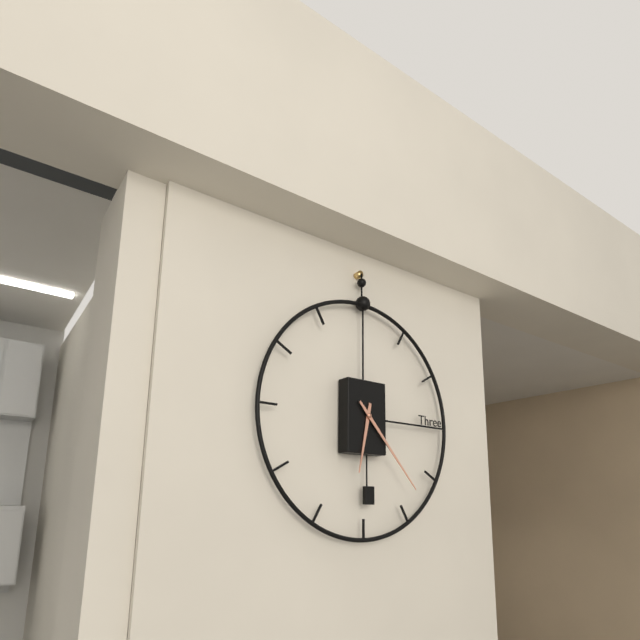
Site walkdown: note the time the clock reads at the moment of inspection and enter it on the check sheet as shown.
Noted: 6:23
